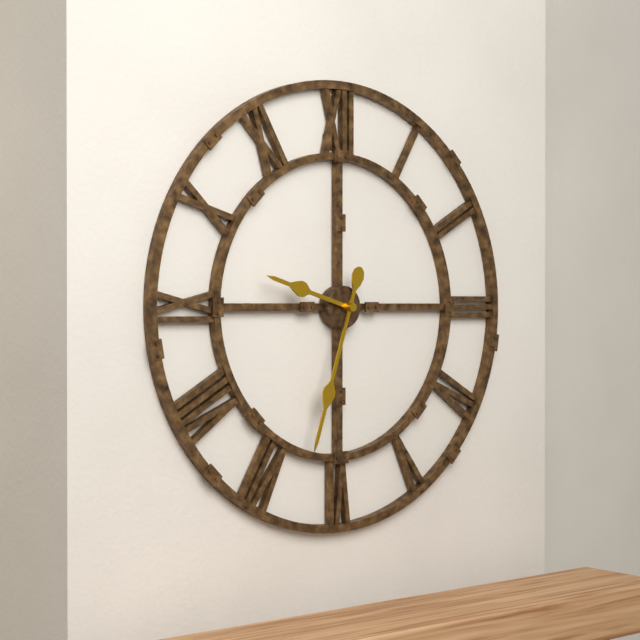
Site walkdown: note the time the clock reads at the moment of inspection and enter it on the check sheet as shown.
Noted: 9:33
